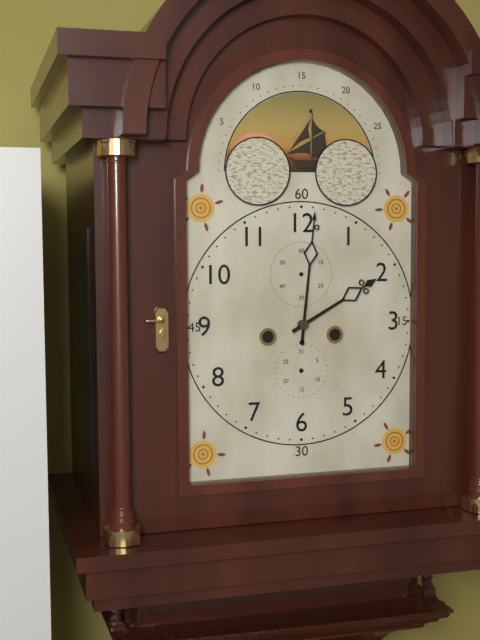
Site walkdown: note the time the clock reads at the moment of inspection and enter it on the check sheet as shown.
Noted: 2:01
